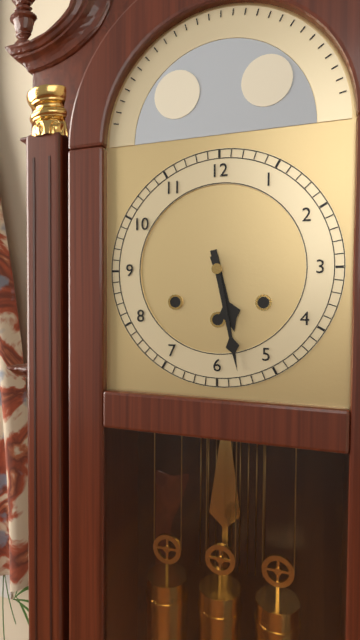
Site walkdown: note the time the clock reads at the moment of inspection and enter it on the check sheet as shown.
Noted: 5:28
